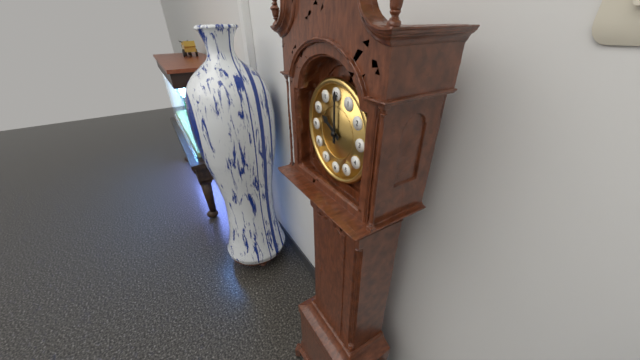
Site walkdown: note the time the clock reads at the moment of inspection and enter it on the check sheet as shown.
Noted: 10:00
